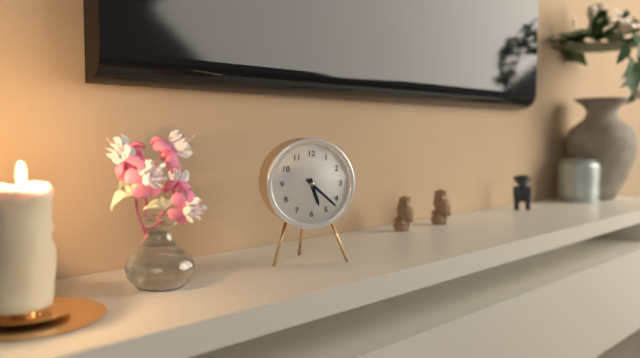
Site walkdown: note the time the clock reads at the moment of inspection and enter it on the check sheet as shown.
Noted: 5:22
